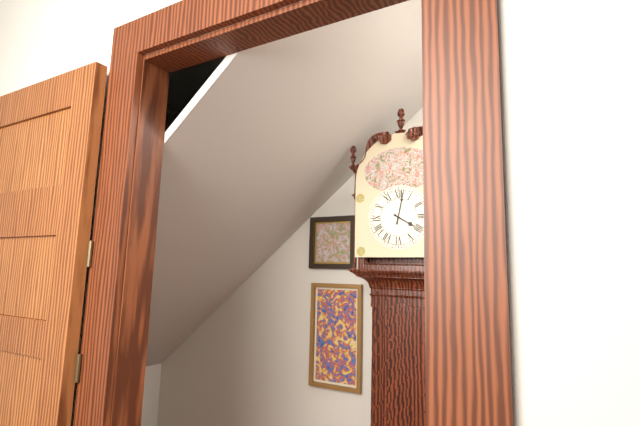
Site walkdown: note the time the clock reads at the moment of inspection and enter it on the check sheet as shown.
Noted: 4:02
